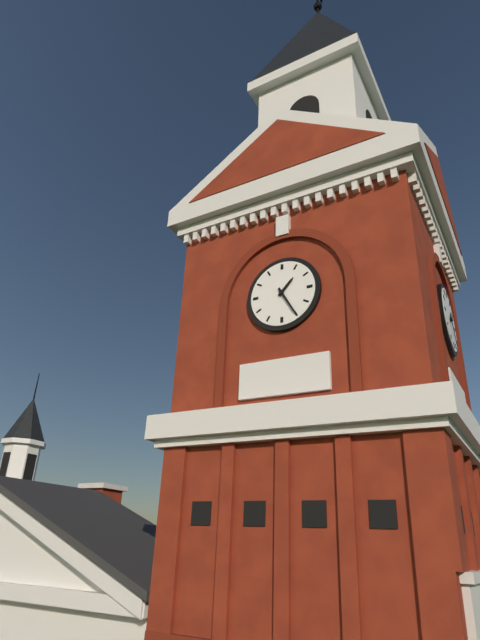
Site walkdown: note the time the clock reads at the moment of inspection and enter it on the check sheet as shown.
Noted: 1:25
